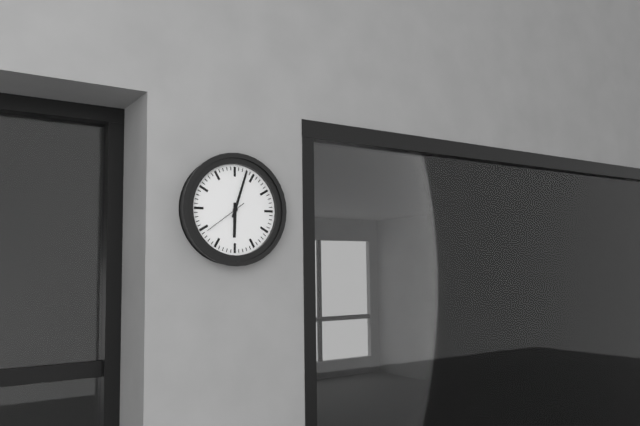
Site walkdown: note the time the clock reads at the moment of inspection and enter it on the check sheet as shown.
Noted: 6:03
